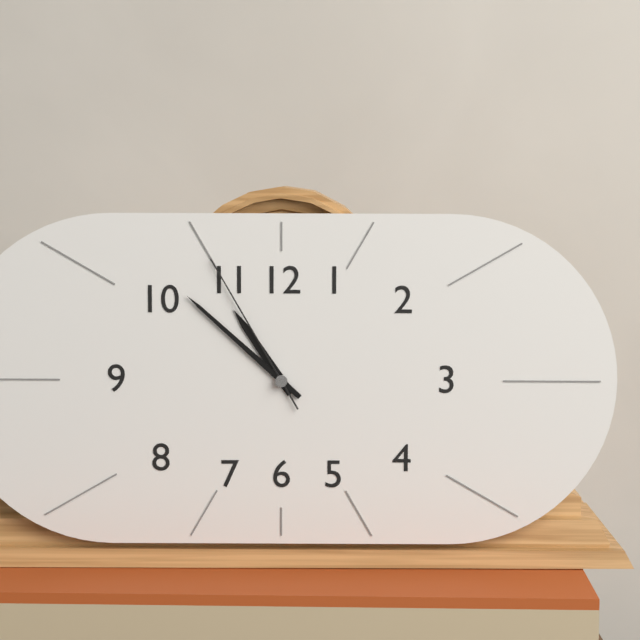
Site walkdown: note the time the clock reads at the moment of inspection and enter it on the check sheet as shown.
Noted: 10:52:55
